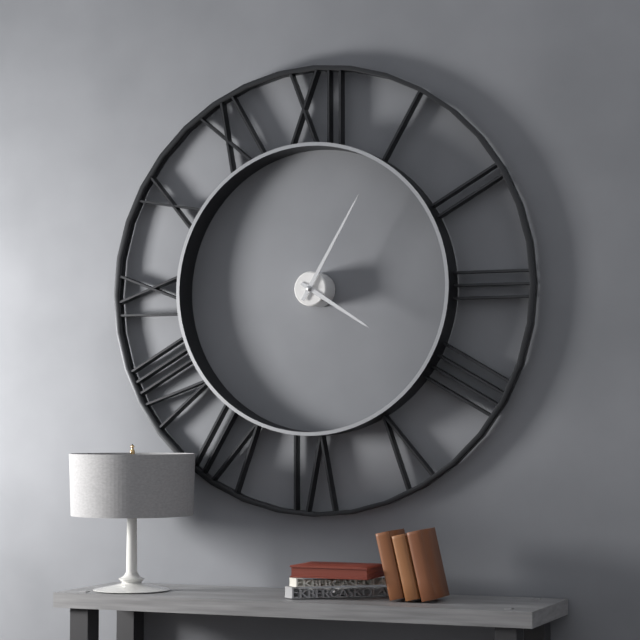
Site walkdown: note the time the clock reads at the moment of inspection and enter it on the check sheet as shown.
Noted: 4:05
